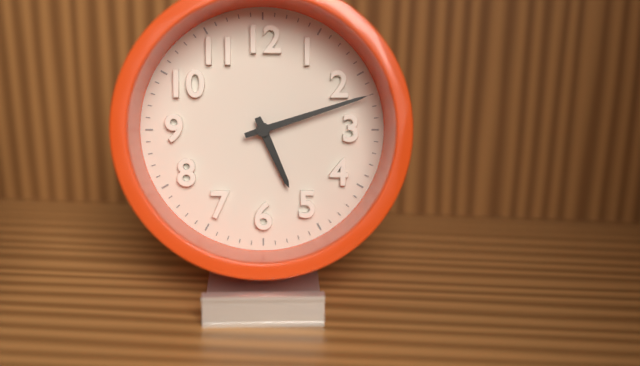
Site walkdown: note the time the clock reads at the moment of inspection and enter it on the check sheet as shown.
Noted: 5:12
